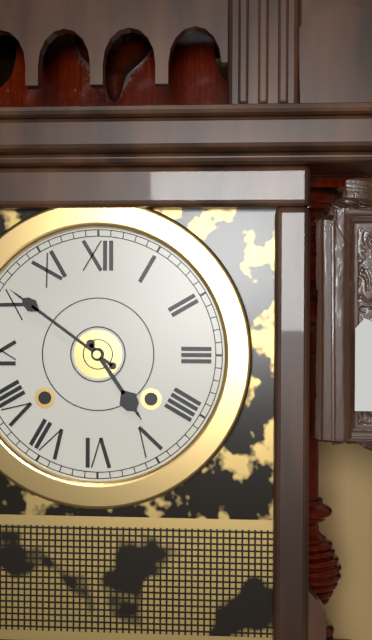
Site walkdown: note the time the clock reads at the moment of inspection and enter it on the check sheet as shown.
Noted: 4:51
